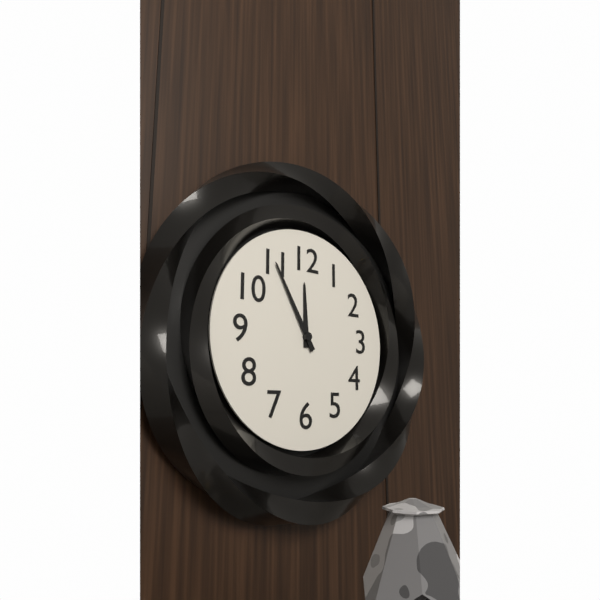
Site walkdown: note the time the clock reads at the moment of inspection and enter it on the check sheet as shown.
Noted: 11:55
